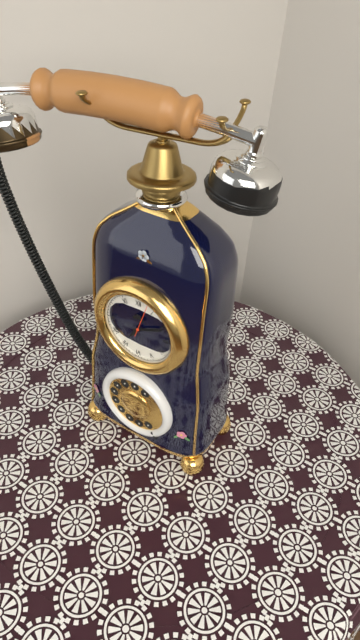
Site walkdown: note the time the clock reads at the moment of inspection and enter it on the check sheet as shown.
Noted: 7:11
